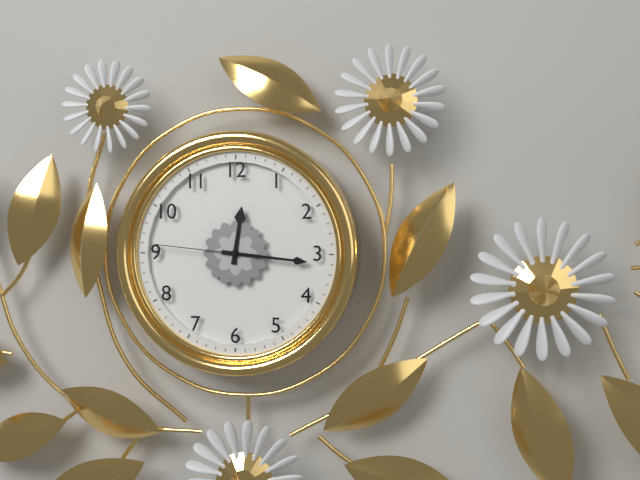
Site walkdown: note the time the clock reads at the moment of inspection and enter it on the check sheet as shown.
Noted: 12:16:46
